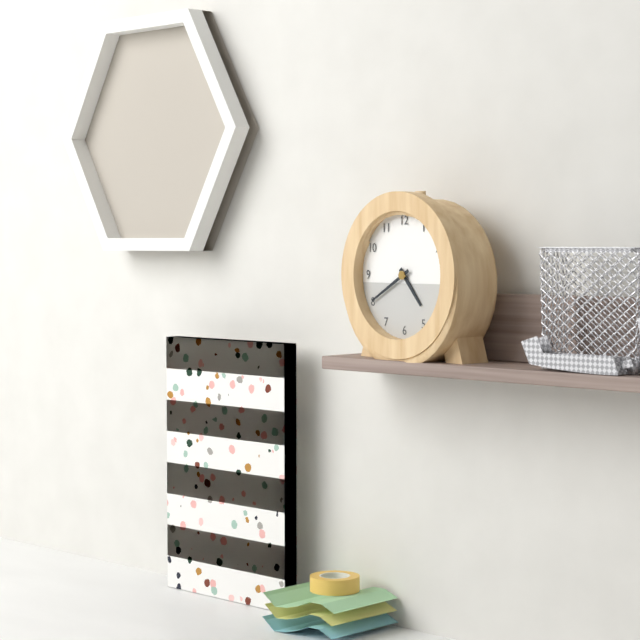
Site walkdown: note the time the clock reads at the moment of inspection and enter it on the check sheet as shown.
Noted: 4:40
